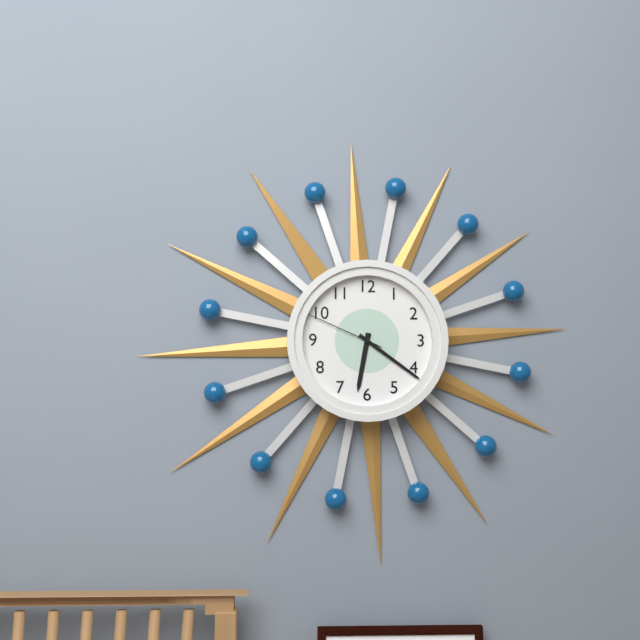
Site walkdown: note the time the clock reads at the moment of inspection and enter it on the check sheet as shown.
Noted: 6:21:49
